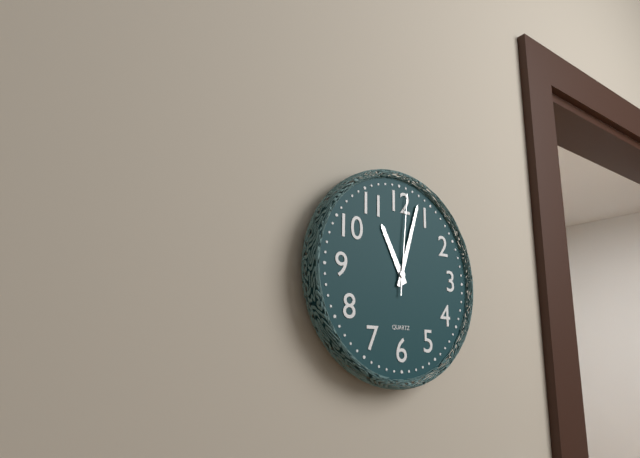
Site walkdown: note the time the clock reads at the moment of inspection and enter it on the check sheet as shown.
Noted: 11:03:01
